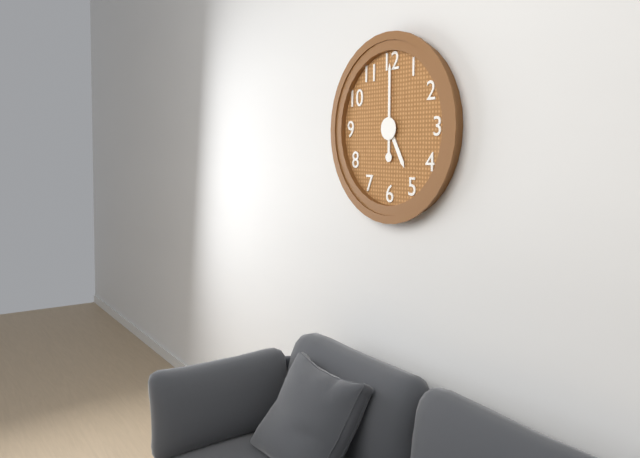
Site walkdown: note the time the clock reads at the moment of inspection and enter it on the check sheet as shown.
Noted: 5:00
